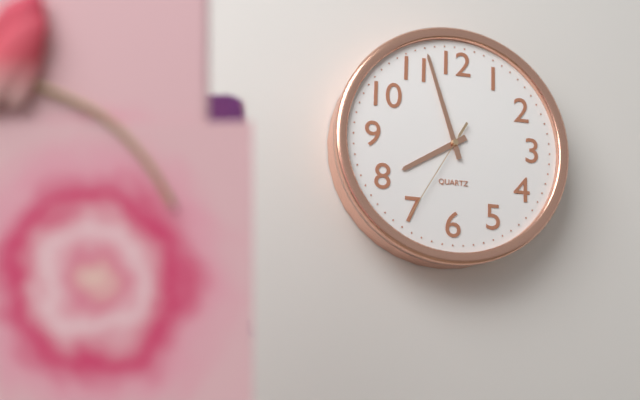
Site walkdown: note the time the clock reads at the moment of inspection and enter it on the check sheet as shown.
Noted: 7:57:35
